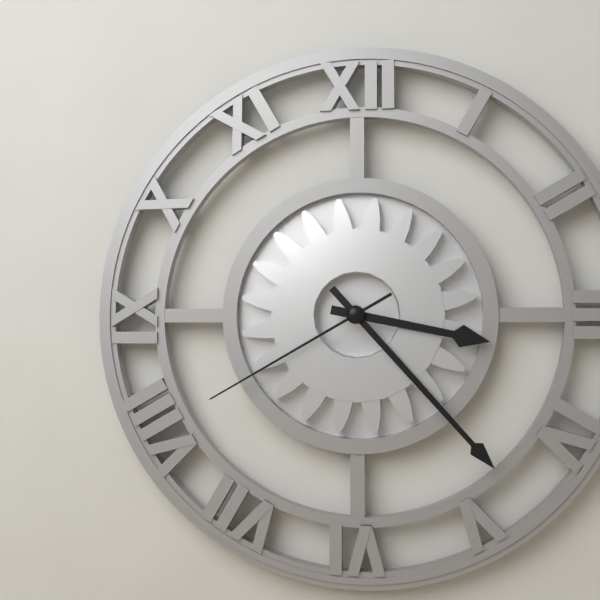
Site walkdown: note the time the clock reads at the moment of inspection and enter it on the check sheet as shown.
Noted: 3:23:40
